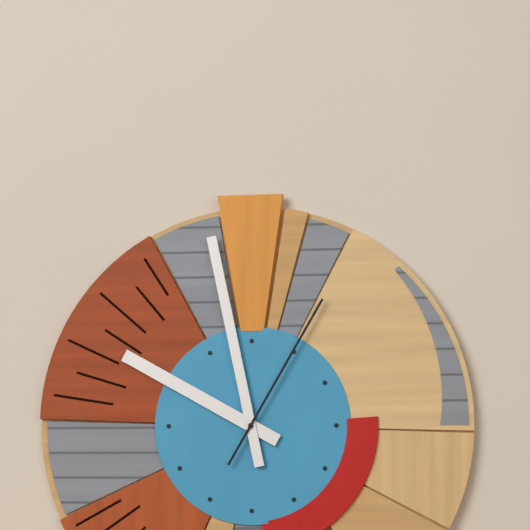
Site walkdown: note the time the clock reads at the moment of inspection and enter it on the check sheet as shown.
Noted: 9:58:05
